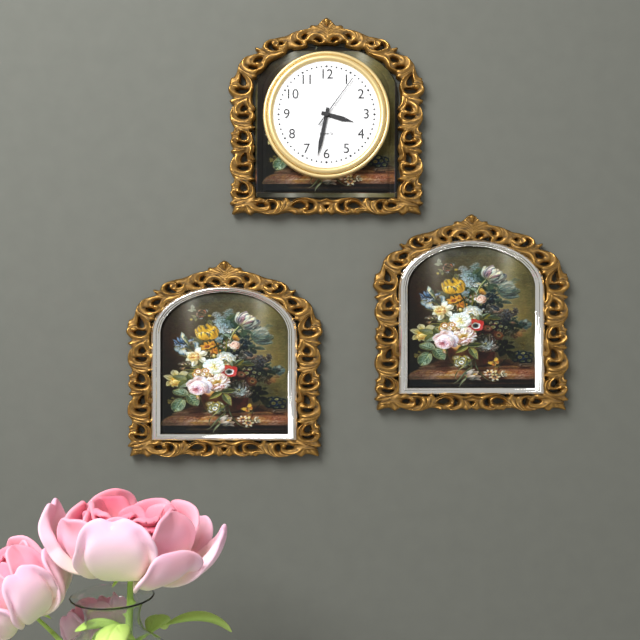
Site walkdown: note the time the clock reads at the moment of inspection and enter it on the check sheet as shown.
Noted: 3:32:06
